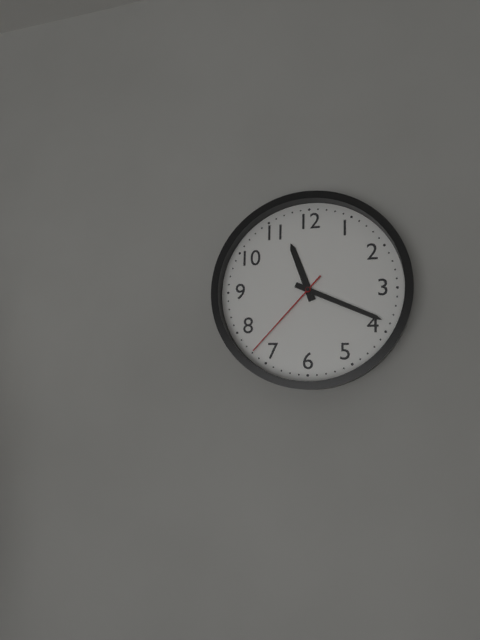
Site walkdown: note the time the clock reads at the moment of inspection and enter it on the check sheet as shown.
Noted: 11:19:37
